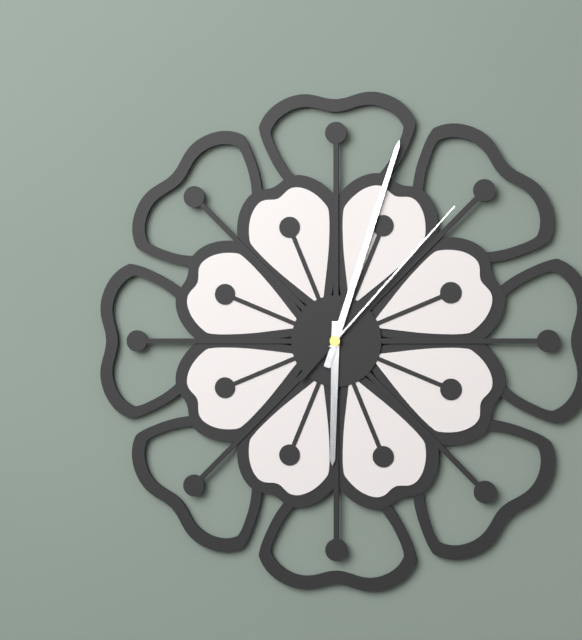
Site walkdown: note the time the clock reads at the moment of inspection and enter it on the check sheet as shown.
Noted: 6:03:07
